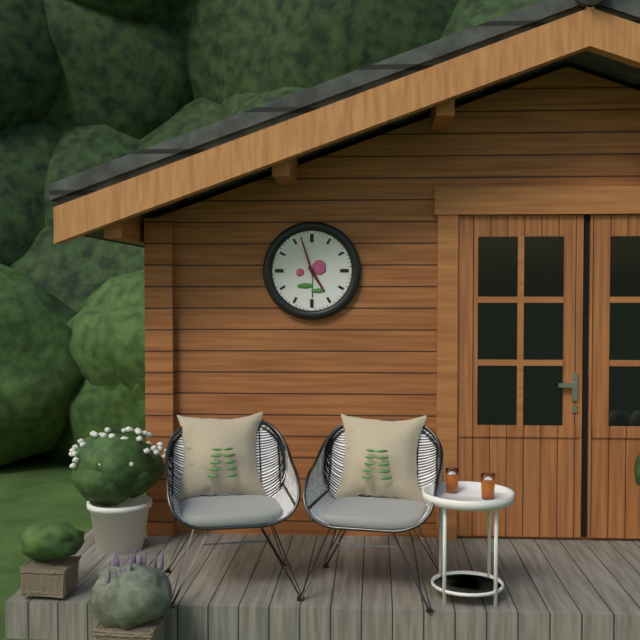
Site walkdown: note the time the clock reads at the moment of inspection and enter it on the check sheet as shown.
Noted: 4:57
